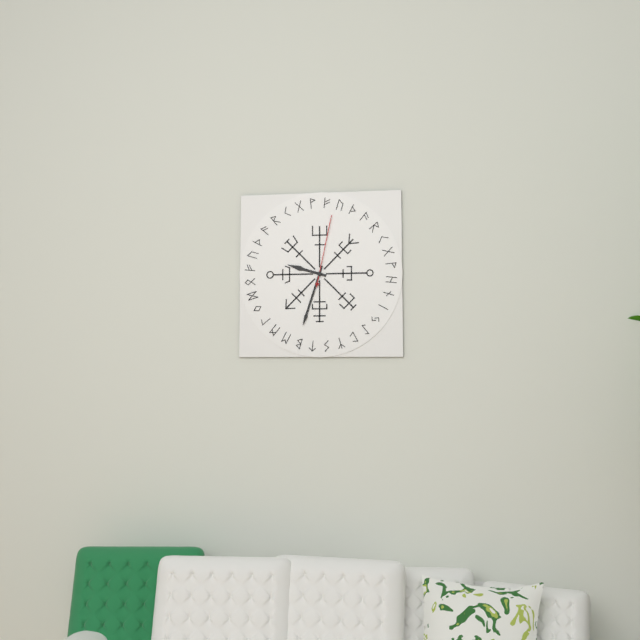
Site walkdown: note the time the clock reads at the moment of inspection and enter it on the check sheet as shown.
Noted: 9:33:02
